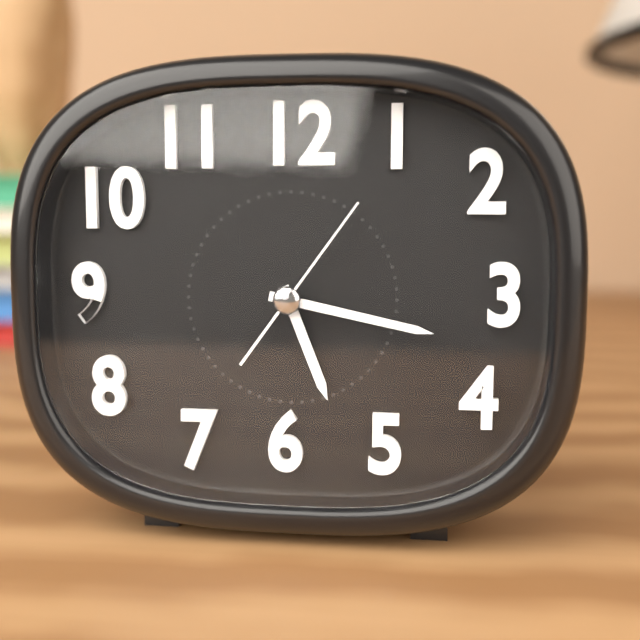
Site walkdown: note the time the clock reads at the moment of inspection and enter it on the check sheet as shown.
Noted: 5:17:06
